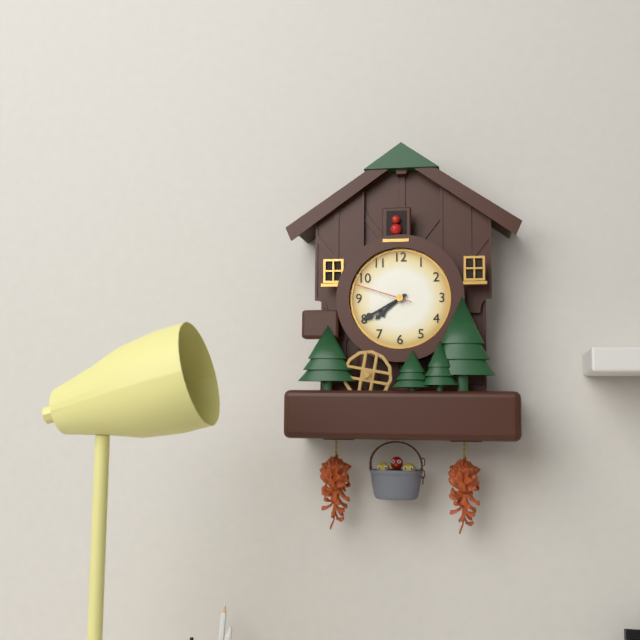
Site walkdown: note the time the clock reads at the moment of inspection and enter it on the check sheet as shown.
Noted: 7:40:48
